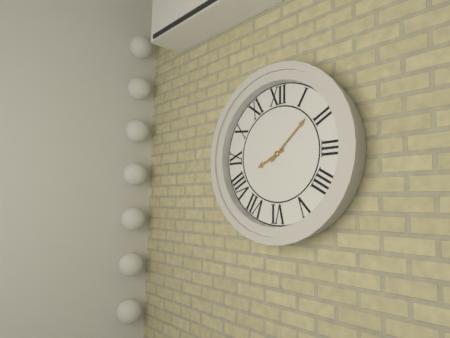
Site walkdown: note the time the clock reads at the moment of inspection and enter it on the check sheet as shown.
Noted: 8:08
